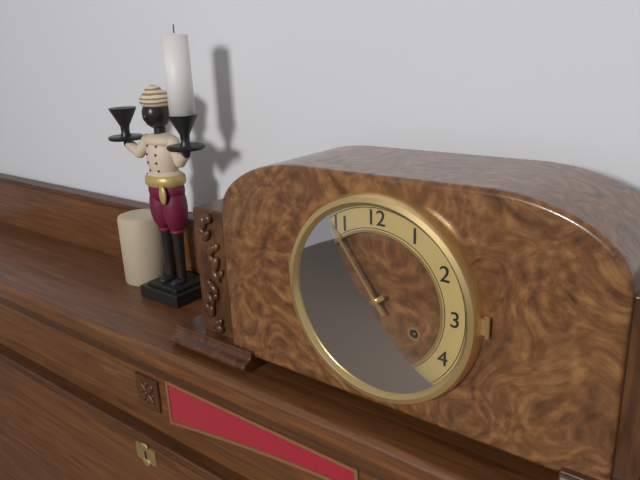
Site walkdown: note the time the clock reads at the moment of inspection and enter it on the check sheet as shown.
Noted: 7:54
